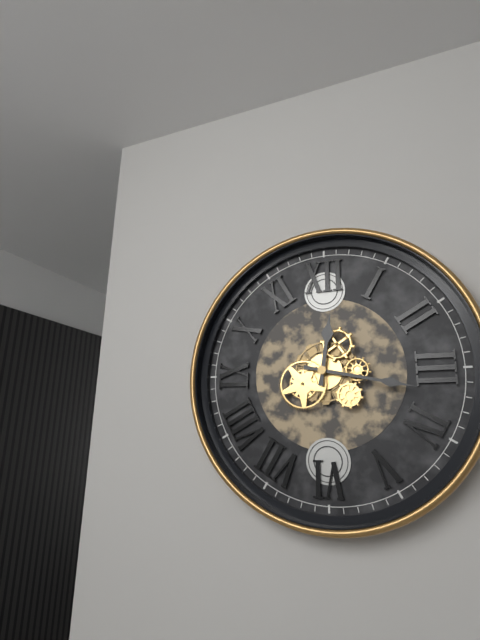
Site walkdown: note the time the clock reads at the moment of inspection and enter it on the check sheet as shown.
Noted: 12:17
